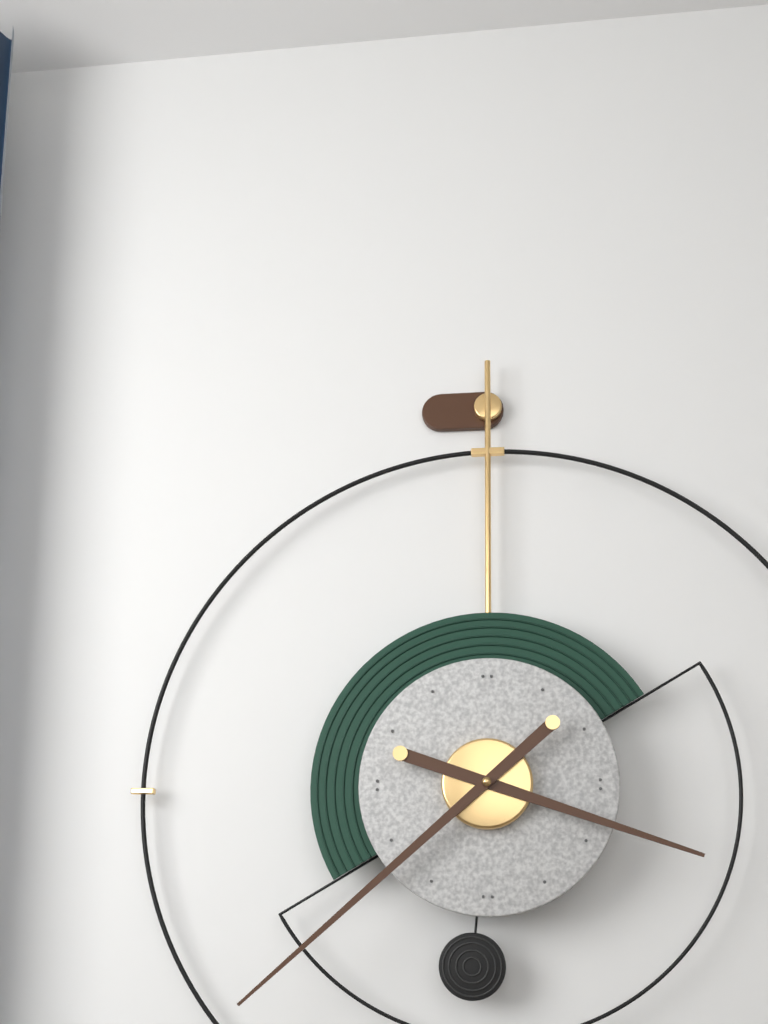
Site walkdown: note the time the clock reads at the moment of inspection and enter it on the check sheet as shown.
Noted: 3:38
